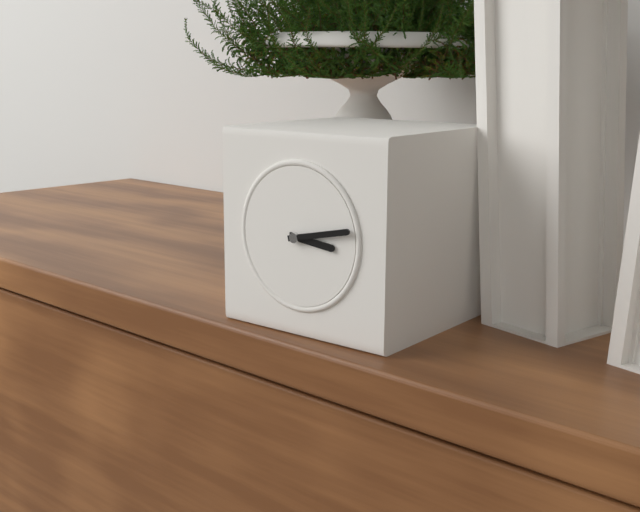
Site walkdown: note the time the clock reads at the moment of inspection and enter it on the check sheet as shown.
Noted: 3:13
